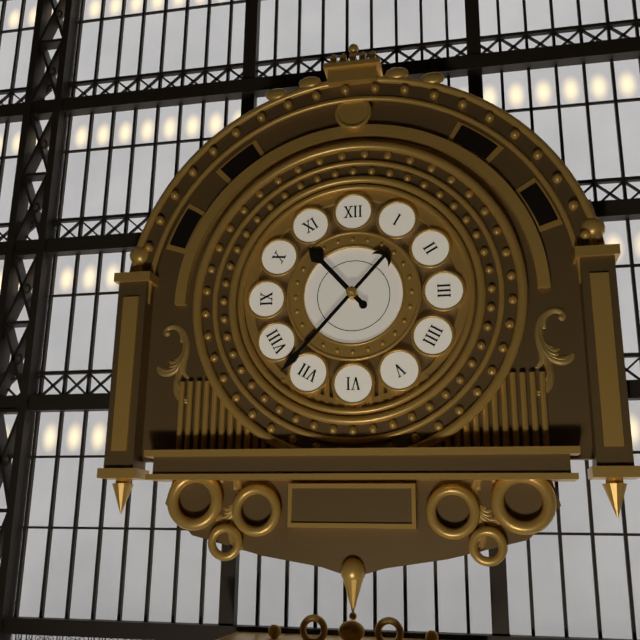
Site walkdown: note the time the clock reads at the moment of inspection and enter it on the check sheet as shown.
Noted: 10:37
